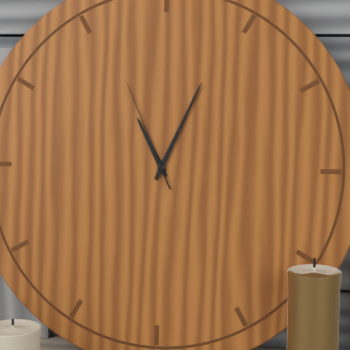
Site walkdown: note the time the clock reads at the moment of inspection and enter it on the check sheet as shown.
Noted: 11:04:56
